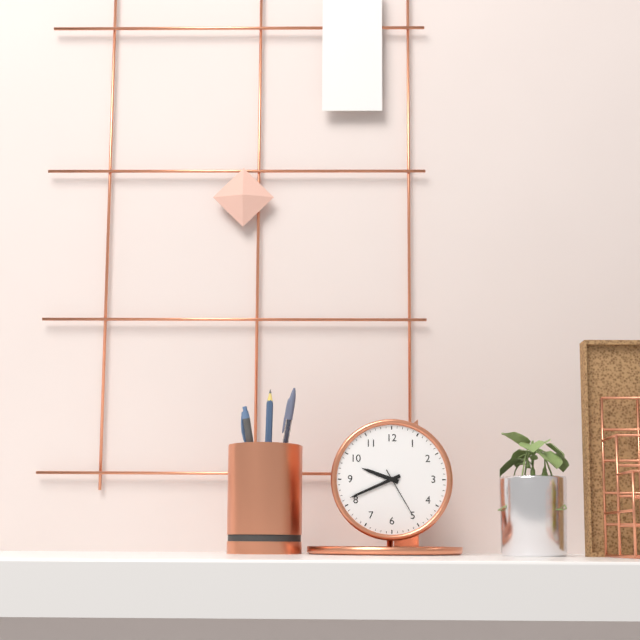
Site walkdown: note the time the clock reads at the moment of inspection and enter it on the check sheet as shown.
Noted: 9:41:25
